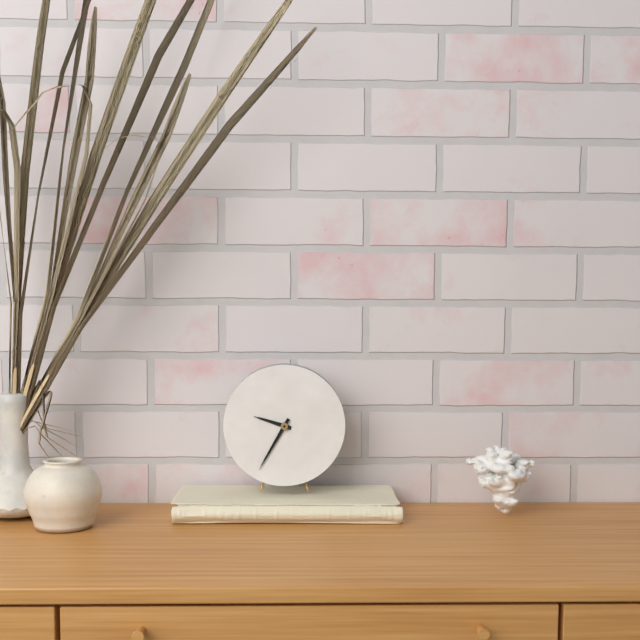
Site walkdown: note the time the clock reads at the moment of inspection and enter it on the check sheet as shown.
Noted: 9:35
